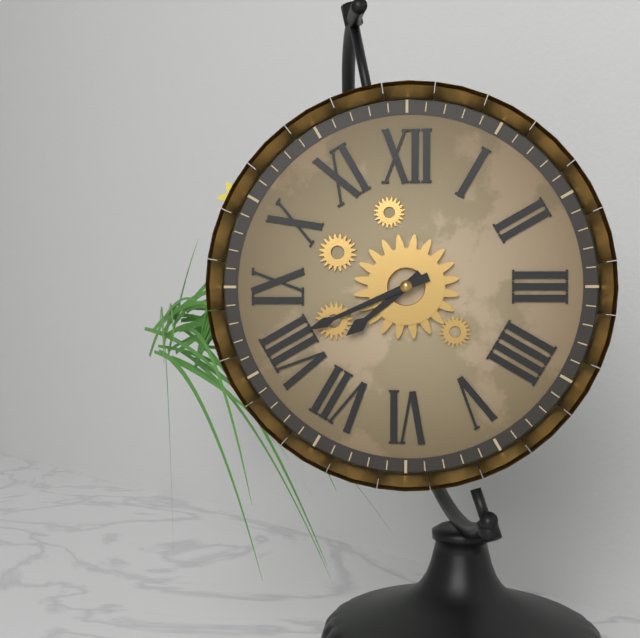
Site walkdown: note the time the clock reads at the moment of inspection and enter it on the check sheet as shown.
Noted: 7:41
